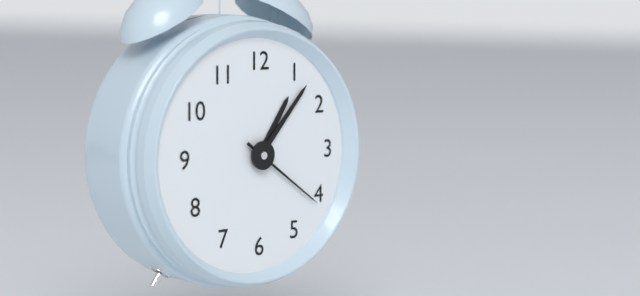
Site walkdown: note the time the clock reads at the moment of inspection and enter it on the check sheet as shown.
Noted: 1:07:21
